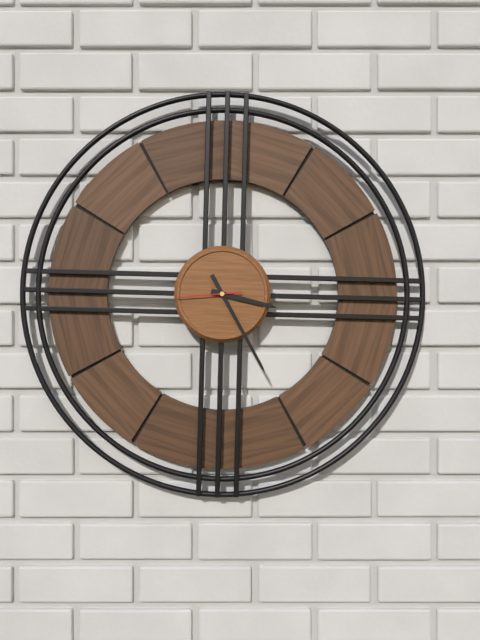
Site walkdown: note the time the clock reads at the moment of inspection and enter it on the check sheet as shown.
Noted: 3:25:44
